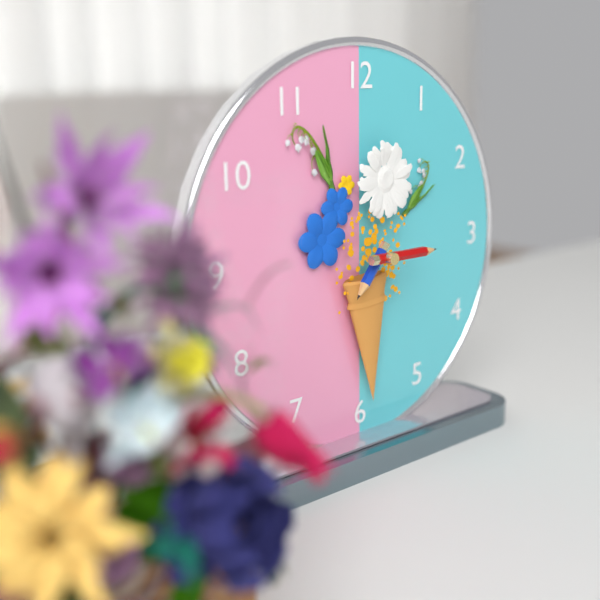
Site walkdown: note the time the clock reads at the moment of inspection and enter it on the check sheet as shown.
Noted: 7:15
